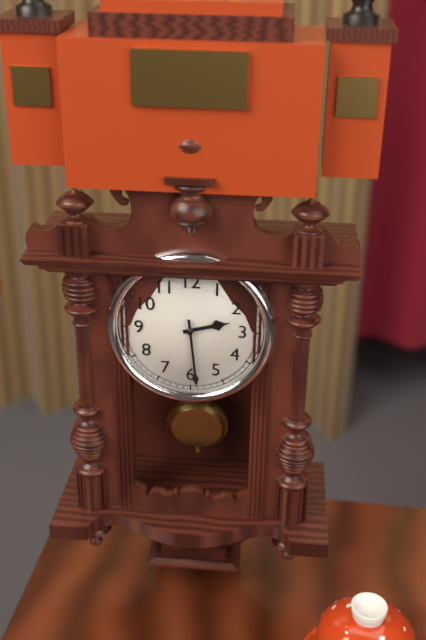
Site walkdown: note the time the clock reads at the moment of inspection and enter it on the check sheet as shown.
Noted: 2:29
